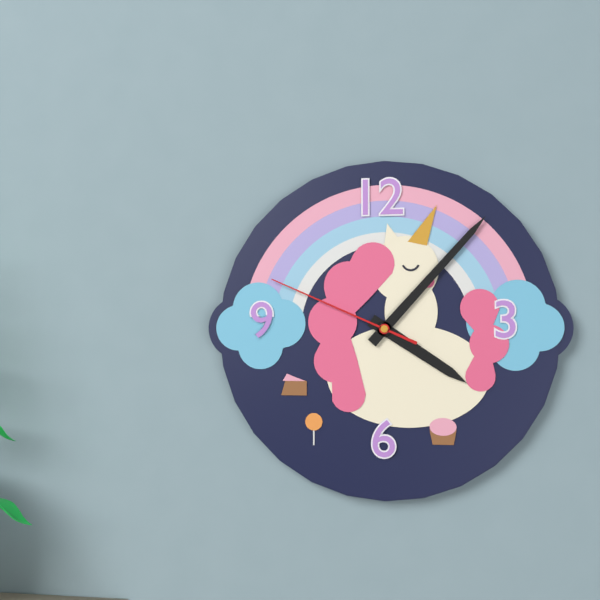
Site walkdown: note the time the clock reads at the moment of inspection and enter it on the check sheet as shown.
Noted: 4:07:49
